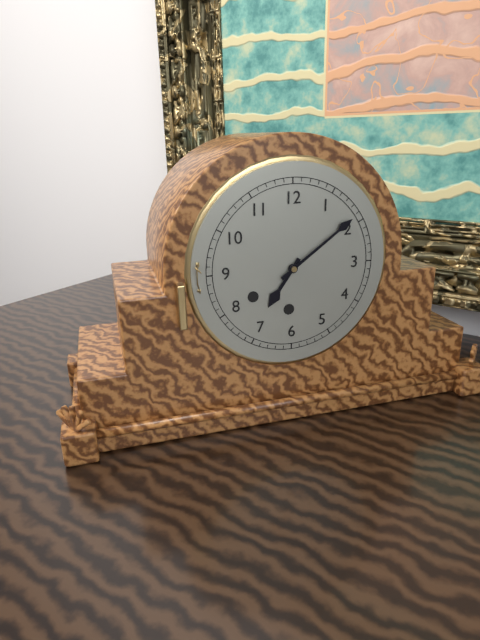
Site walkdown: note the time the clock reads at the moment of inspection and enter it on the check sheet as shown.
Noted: 7:09
